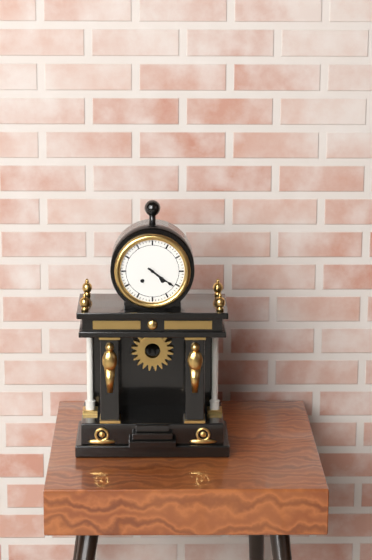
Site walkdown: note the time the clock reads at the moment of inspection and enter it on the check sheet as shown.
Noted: 4:21
